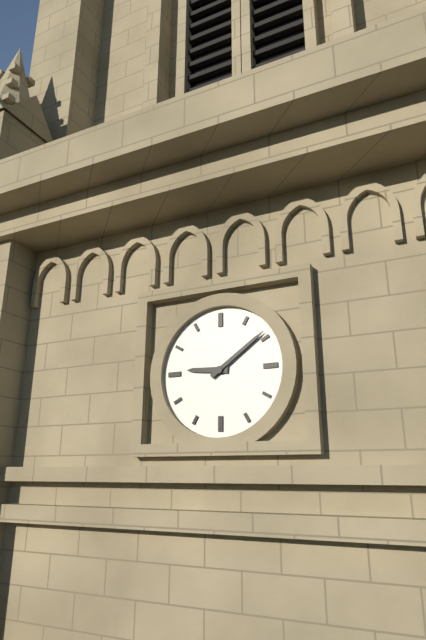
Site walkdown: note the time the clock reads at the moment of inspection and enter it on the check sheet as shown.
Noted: 9:09
